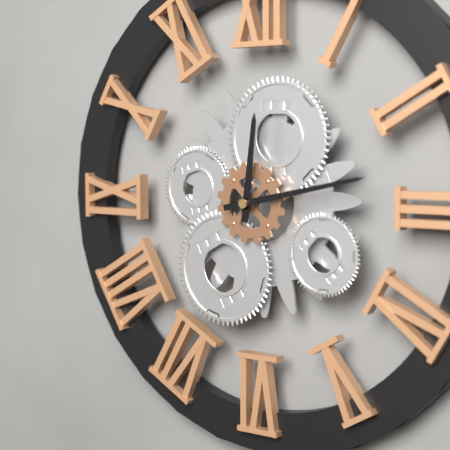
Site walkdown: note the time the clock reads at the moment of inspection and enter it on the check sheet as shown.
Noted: 12:13
